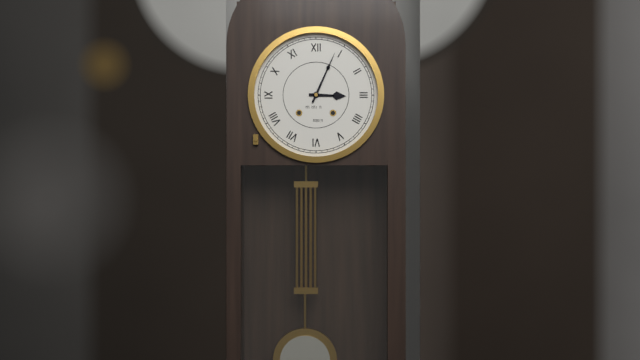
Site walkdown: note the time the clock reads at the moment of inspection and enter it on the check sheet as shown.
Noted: 3:04
